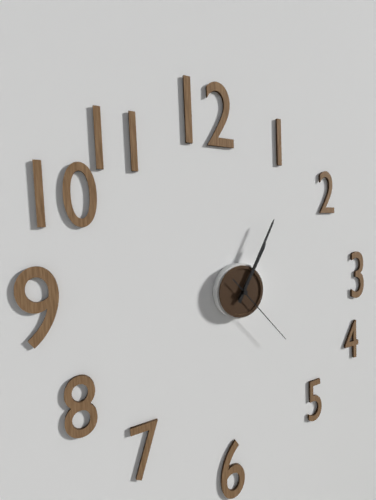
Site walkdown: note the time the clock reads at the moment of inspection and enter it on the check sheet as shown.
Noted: 1:05:23
